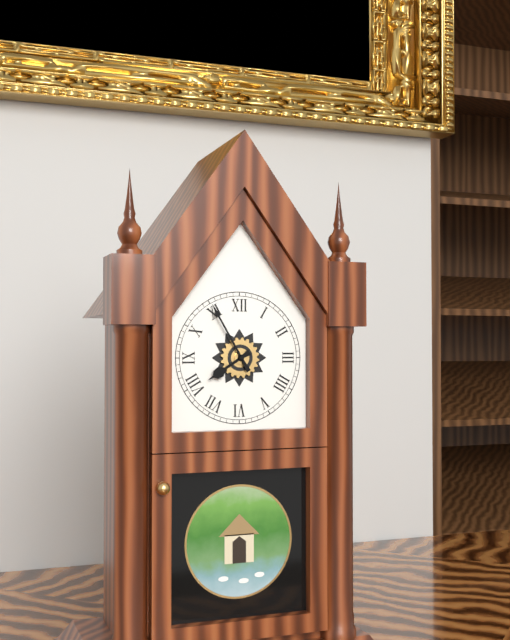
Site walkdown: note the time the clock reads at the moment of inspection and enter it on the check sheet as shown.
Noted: 7:55
